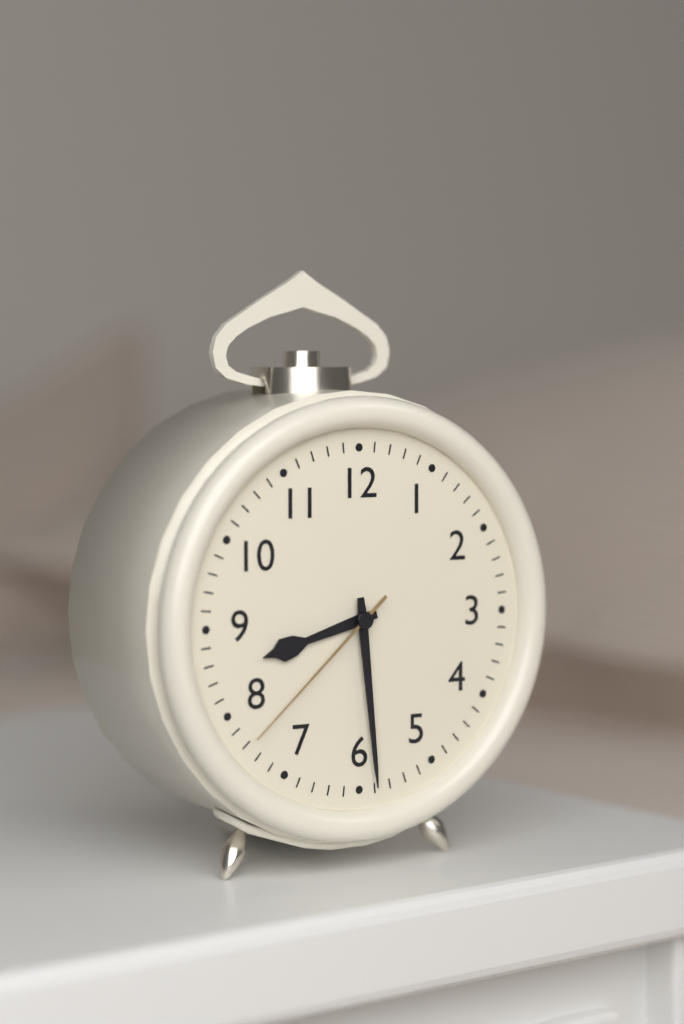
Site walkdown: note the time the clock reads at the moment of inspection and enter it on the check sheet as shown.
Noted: 8:29:38
